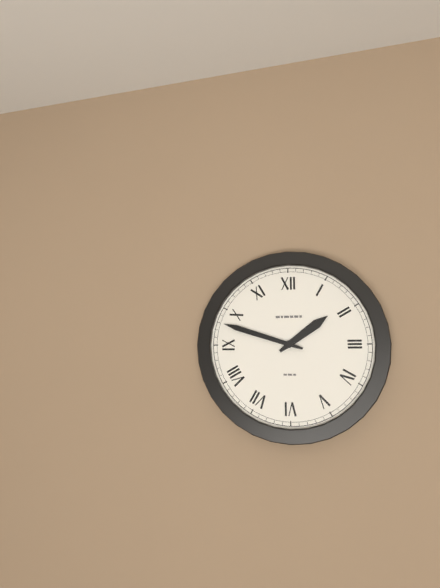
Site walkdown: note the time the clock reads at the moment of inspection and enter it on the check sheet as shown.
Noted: 1:48
